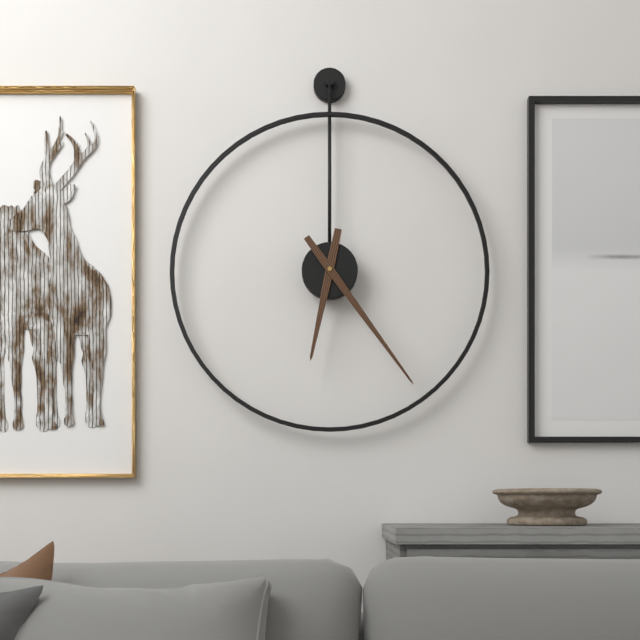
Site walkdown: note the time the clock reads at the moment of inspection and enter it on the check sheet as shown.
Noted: 6:24
